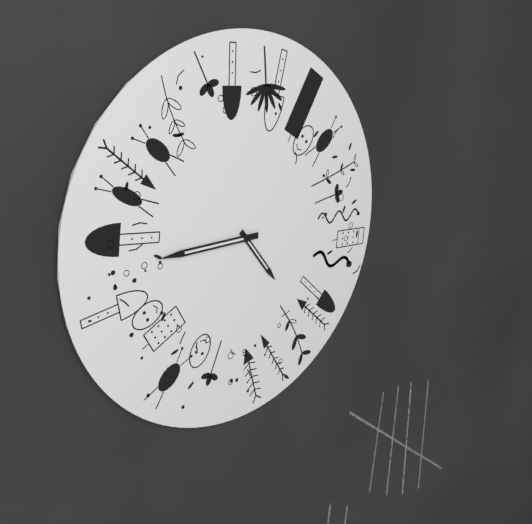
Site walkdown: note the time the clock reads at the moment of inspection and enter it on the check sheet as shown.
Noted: 4:45
